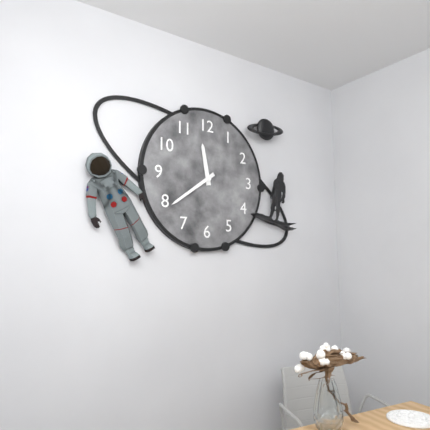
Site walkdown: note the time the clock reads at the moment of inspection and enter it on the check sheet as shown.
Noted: 11:39
